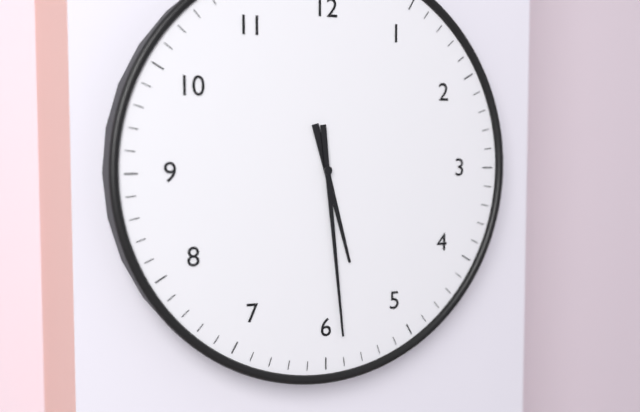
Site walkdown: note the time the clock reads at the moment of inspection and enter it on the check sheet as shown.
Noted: 5:29
